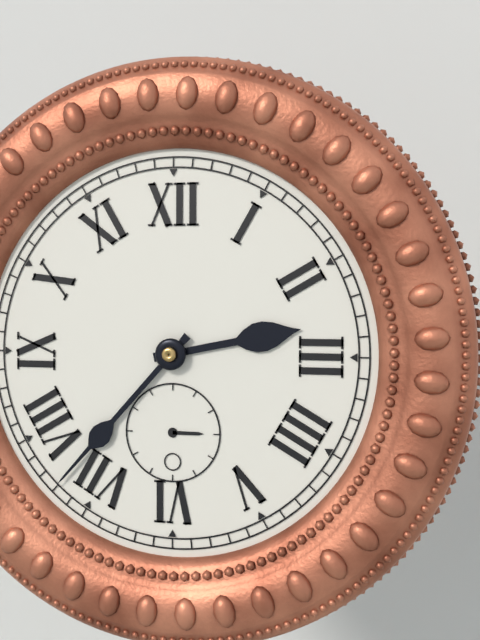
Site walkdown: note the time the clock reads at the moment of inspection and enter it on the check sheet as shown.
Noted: 2:37
